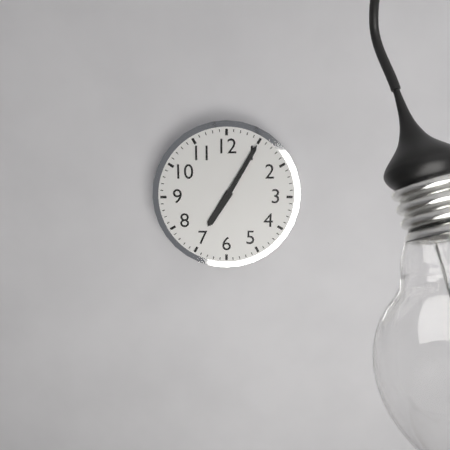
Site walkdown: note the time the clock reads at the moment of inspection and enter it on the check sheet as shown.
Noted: 7:05
